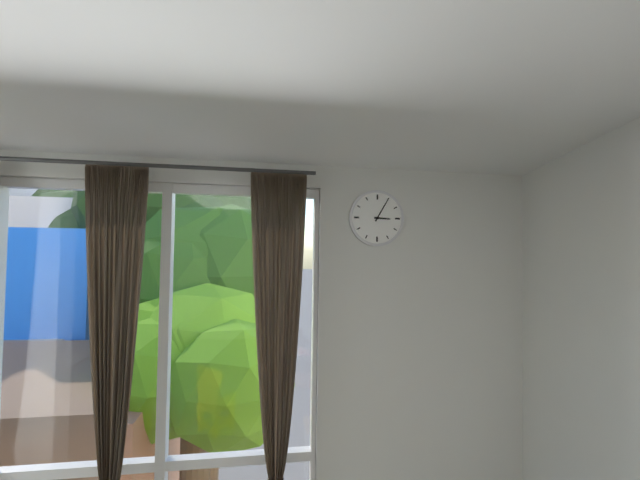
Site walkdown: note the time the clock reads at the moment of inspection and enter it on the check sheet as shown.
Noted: 3:05
